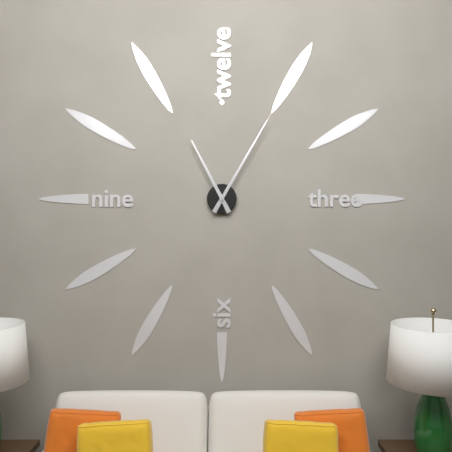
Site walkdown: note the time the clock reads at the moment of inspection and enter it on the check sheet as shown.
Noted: 11:05
